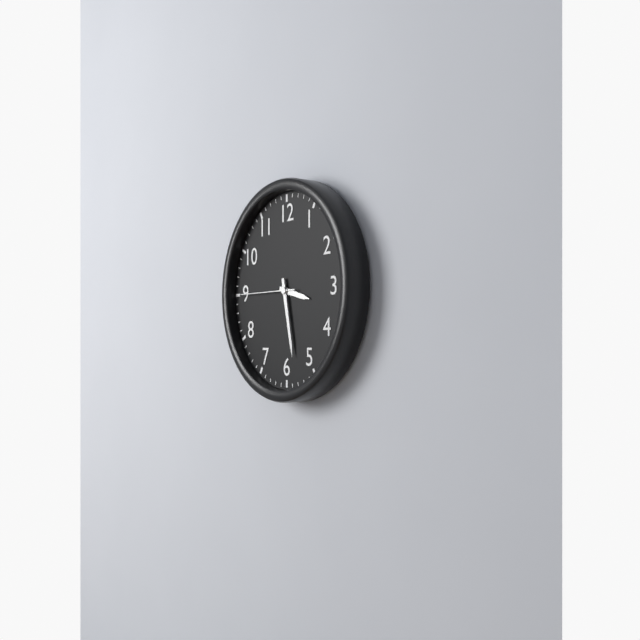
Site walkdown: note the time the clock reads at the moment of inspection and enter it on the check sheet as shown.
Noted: 3:28:45
